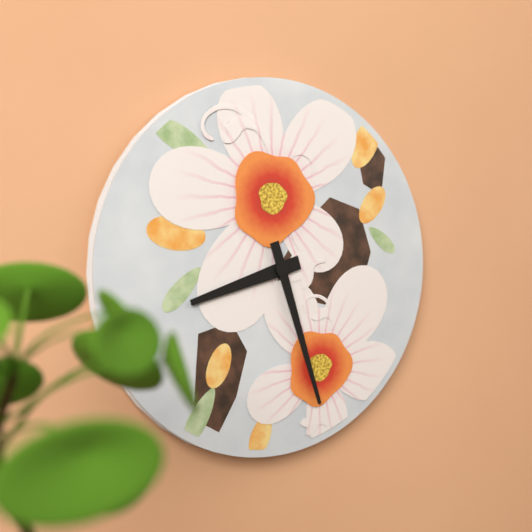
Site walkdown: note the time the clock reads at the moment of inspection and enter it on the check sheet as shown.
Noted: 8:27
